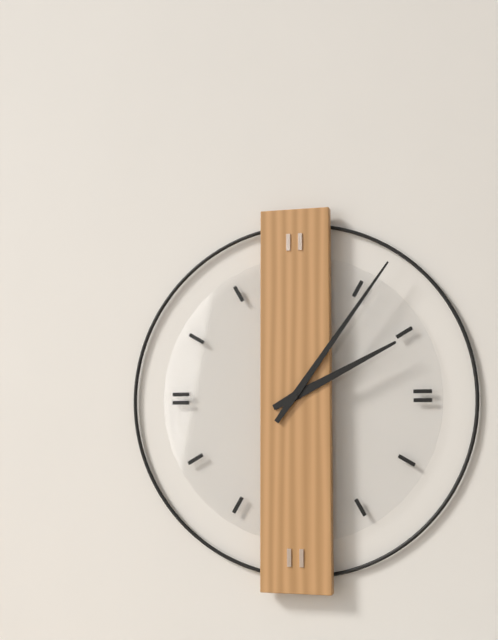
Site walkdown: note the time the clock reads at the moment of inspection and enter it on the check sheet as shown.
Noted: 2:06
